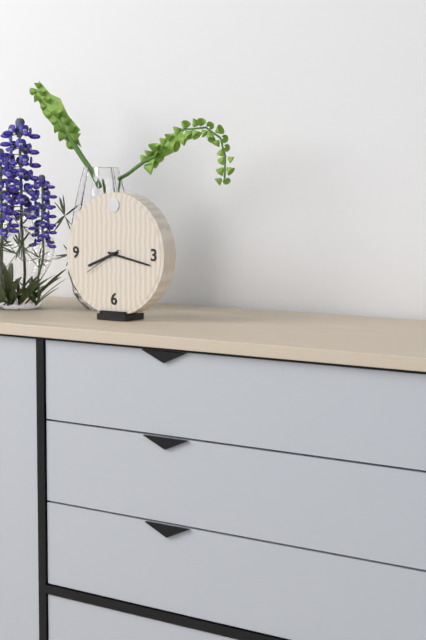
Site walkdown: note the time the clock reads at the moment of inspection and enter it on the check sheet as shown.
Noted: 8:17
